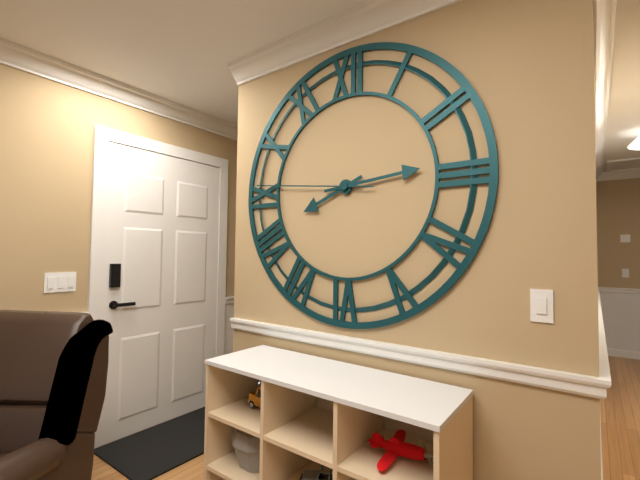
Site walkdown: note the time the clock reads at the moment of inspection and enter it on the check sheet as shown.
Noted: 8:14:46
